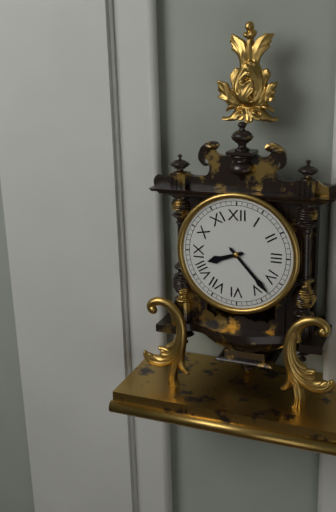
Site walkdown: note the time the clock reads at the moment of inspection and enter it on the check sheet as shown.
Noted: 8:23
